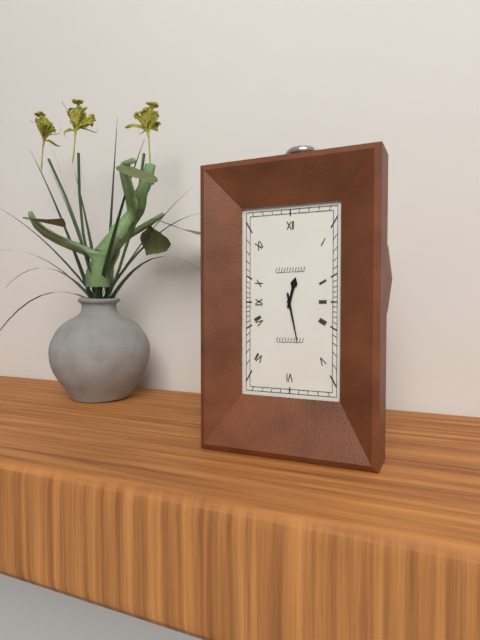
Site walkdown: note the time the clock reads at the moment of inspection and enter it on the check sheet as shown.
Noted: 12:28
